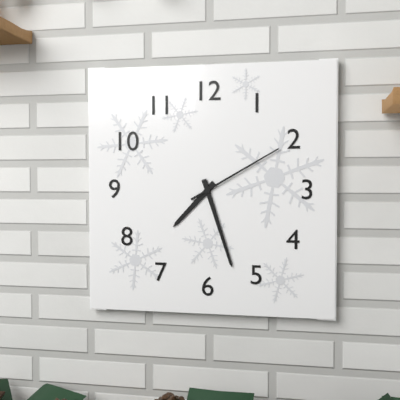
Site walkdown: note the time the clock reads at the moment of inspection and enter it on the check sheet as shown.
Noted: 7:27:10
